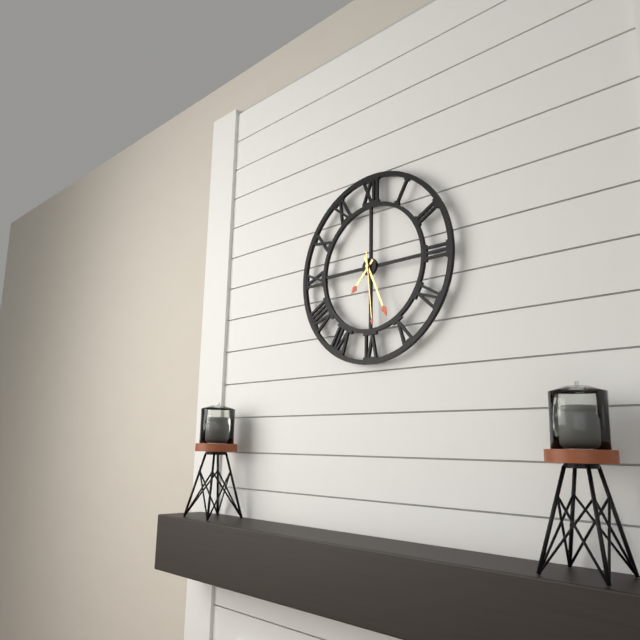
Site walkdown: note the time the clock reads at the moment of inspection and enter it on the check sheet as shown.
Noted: 7:26:29
